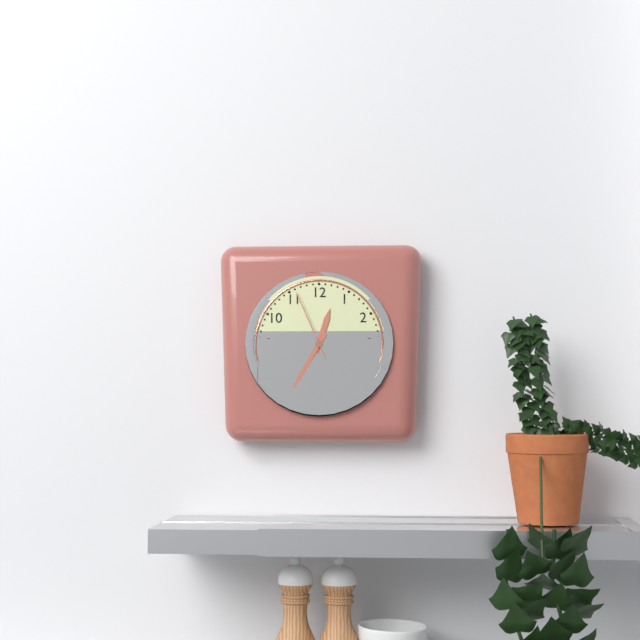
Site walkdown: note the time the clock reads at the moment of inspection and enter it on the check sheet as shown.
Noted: 12:35:56
